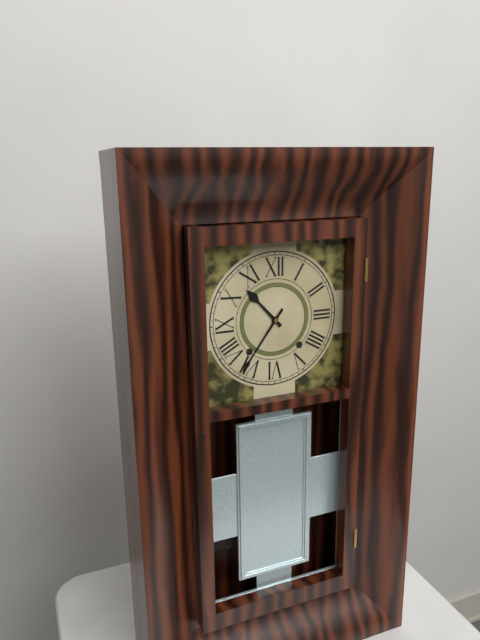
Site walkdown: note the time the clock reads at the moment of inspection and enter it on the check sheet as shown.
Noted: 10:36
